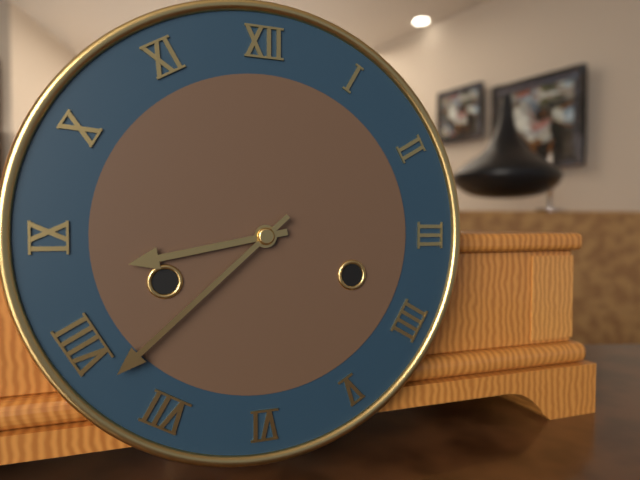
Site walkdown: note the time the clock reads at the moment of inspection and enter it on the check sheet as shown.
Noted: 8:38
